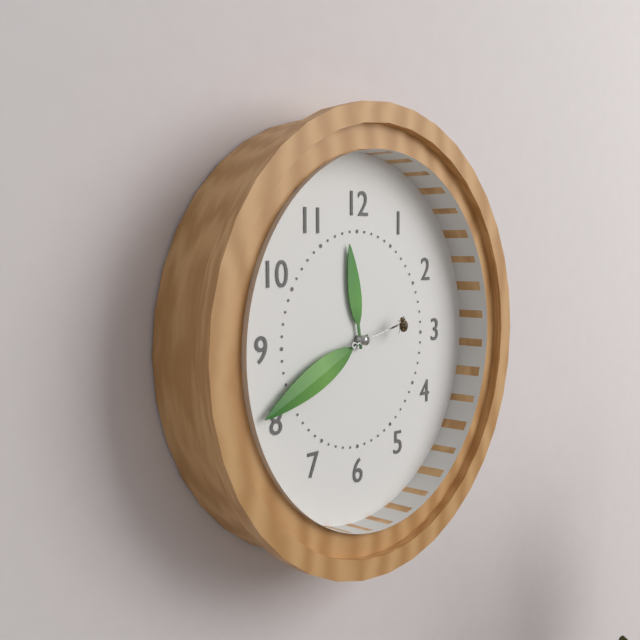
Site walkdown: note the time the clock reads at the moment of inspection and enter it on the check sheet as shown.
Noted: 11:41:13
